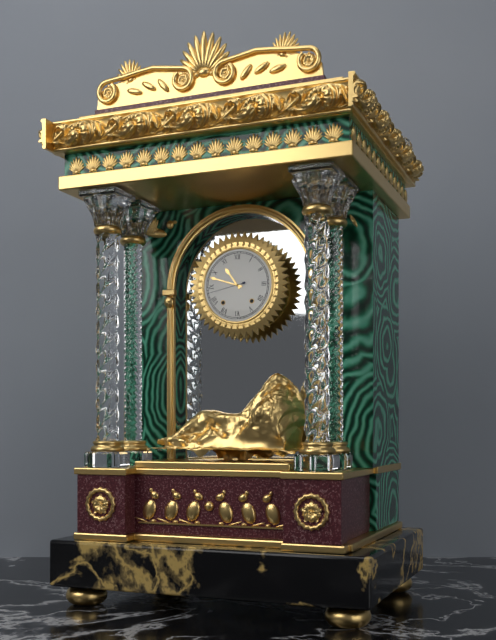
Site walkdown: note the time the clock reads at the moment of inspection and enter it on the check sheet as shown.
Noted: 10:48
